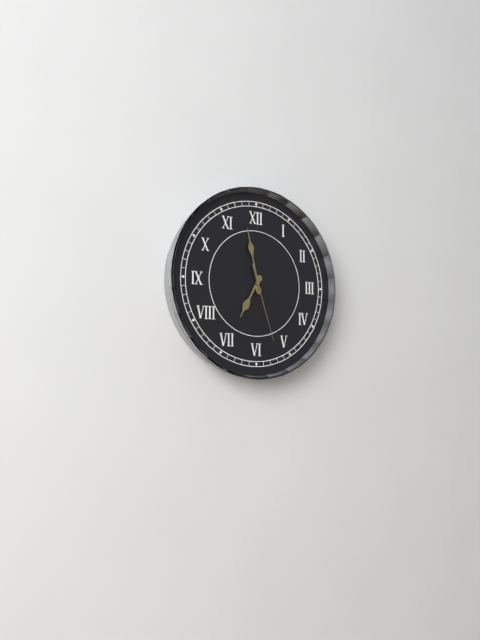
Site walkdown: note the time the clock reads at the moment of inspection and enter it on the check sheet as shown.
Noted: 6:58:27
